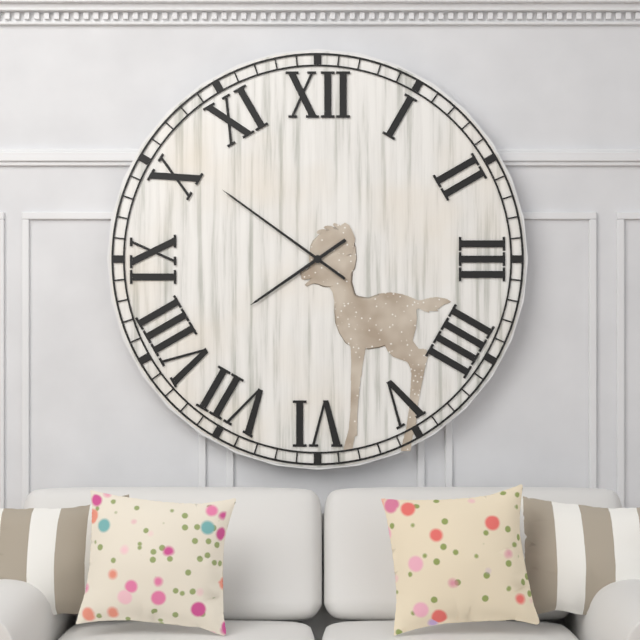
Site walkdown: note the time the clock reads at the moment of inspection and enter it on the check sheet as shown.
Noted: 7:51
